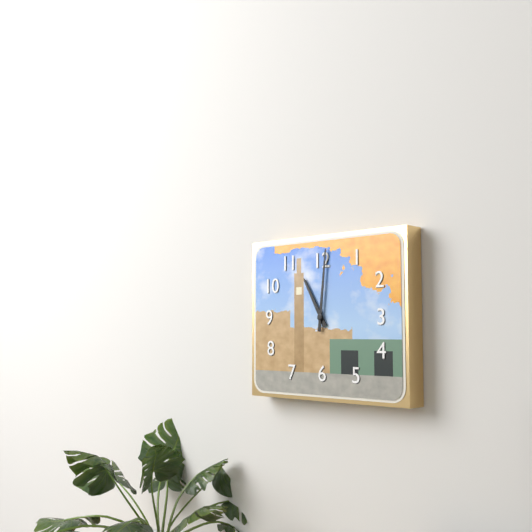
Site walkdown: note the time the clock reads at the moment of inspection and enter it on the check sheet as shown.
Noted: 11:01
